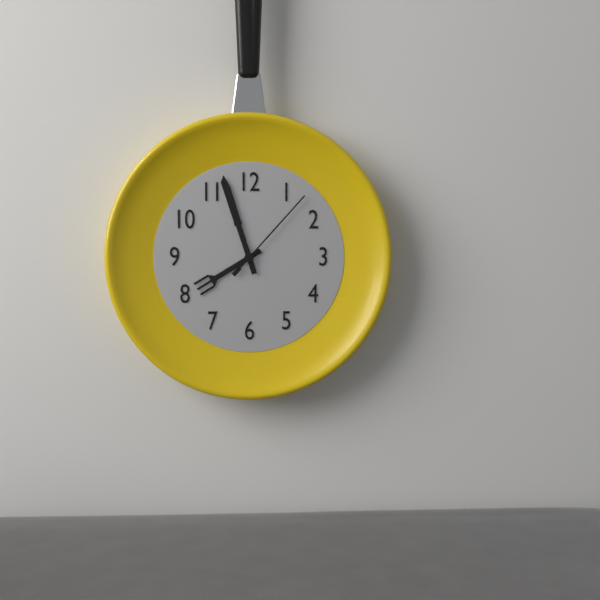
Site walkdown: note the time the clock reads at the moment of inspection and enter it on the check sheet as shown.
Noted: 7:57:07
